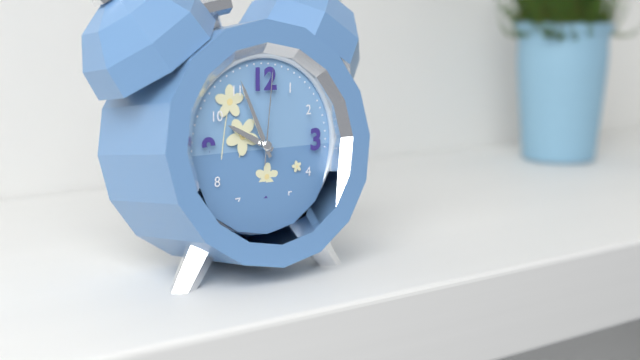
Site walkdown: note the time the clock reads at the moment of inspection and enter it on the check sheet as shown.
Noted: 9:56:01
